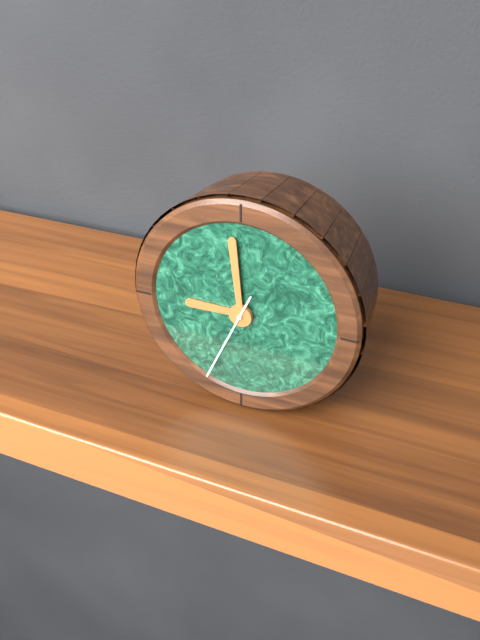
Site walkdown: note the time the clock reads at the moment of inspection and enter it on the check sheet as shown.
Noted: 8:59:34
